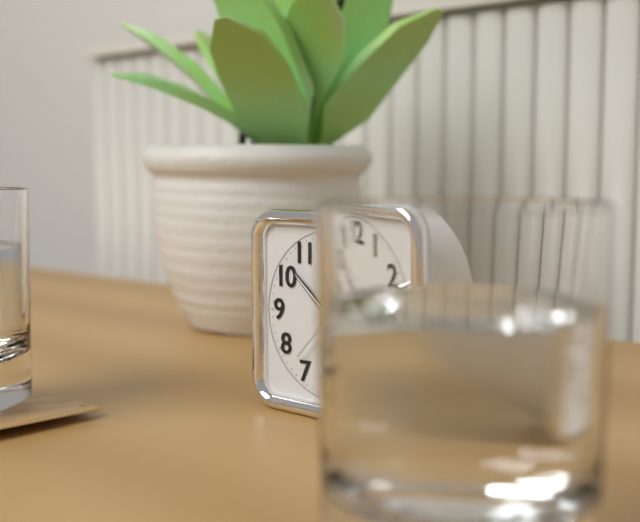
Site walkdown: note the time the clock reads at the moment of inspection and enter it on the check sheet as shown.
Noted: 3:52:37
